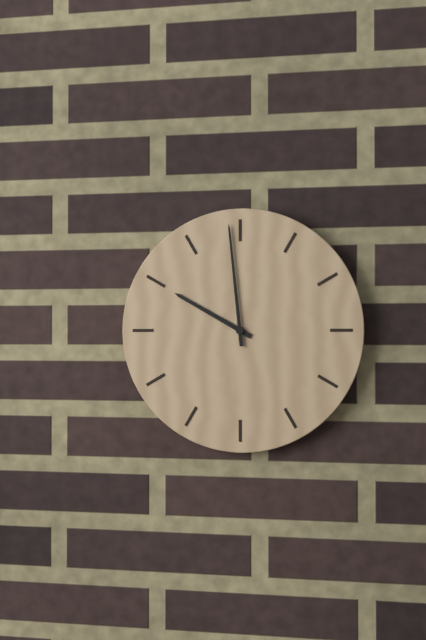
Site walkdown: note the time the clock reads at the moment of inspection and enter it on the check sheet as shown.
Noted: 9:59
